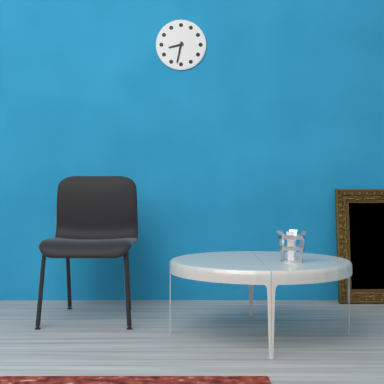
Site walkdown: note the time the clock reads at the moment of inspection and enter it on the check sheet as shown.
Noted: 8:32
